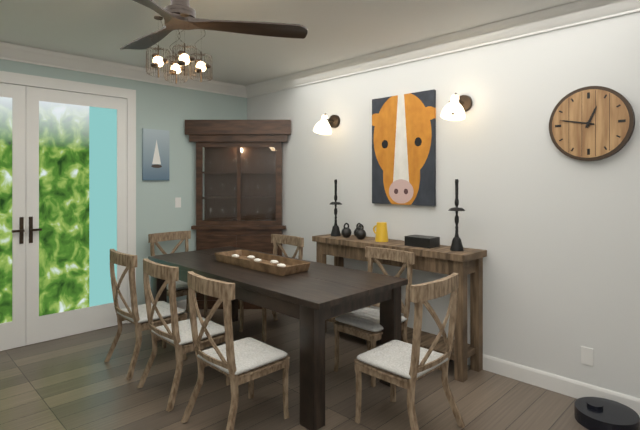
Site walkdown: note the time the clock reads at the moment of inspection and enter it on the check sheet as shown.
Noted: 12:47
